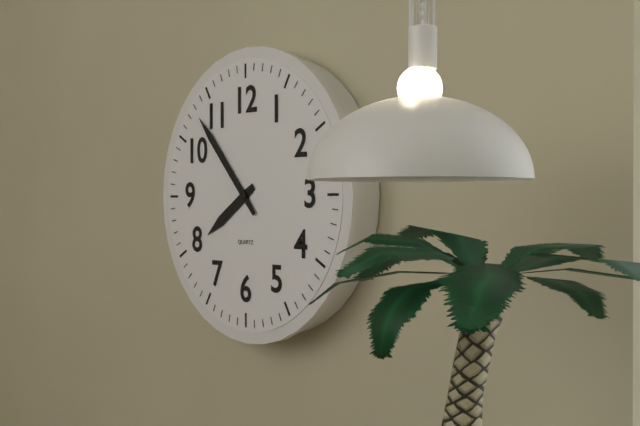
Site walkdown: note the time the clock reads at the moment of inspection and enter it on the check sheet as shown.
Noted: 7:53
